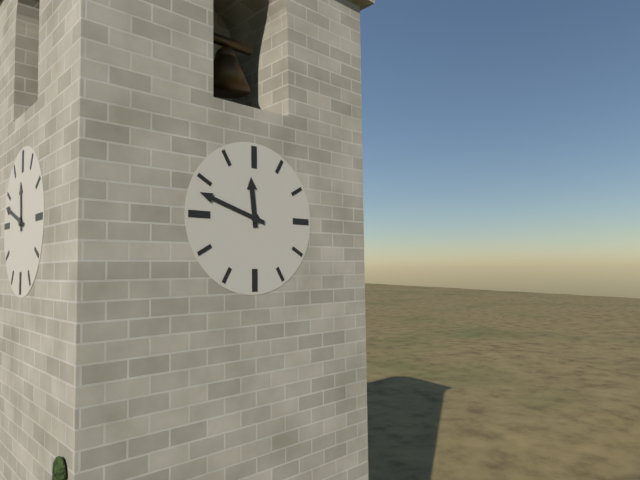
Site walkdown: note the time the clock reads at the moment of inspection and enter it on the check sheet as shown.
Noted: 11:48
